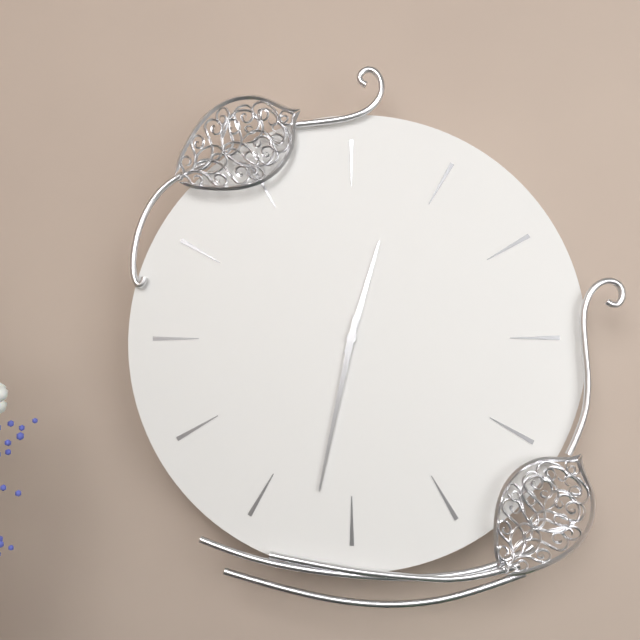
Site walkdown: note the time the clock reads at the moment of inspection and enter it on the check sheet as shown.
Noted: 12:32
